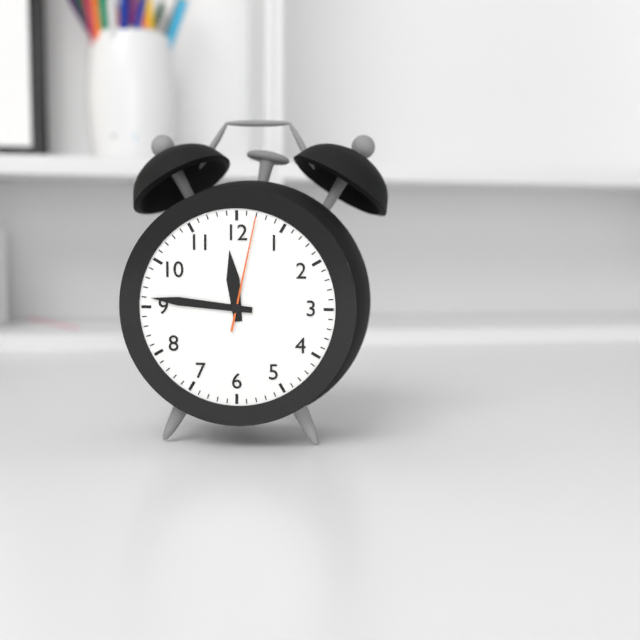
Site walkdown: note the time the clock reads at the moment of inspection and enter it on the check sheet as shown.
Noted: 11:46:02
